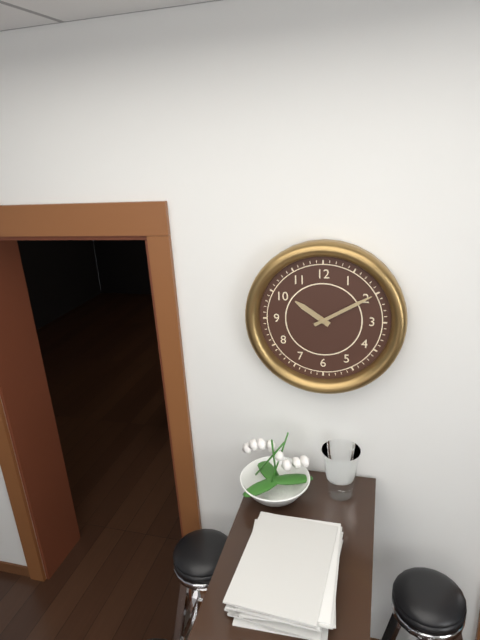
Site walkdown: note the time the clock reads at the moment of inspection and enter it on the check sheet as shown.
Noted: 10:10
